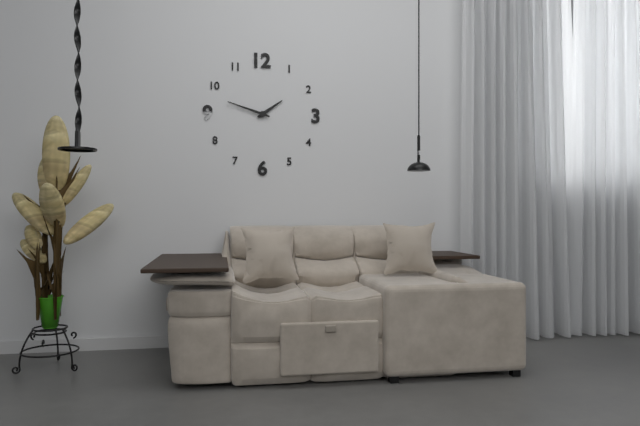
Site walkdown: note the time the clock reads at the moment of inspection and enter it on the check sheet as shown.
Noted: 1:48
